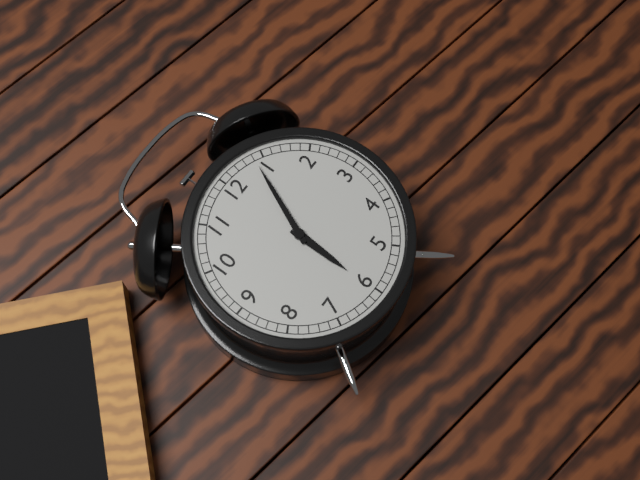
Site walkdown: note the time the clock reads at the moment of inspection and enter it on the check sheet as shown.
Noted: 6:04
